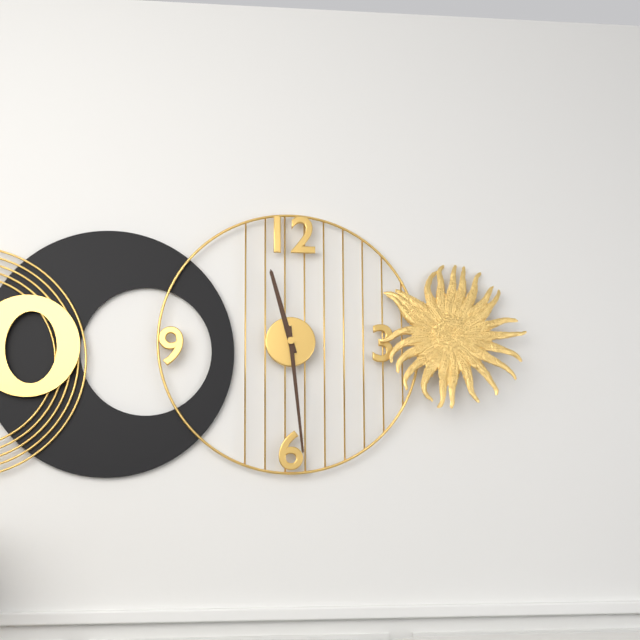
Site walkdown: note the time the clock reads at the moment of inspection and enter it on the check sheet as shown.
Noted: 11:29
